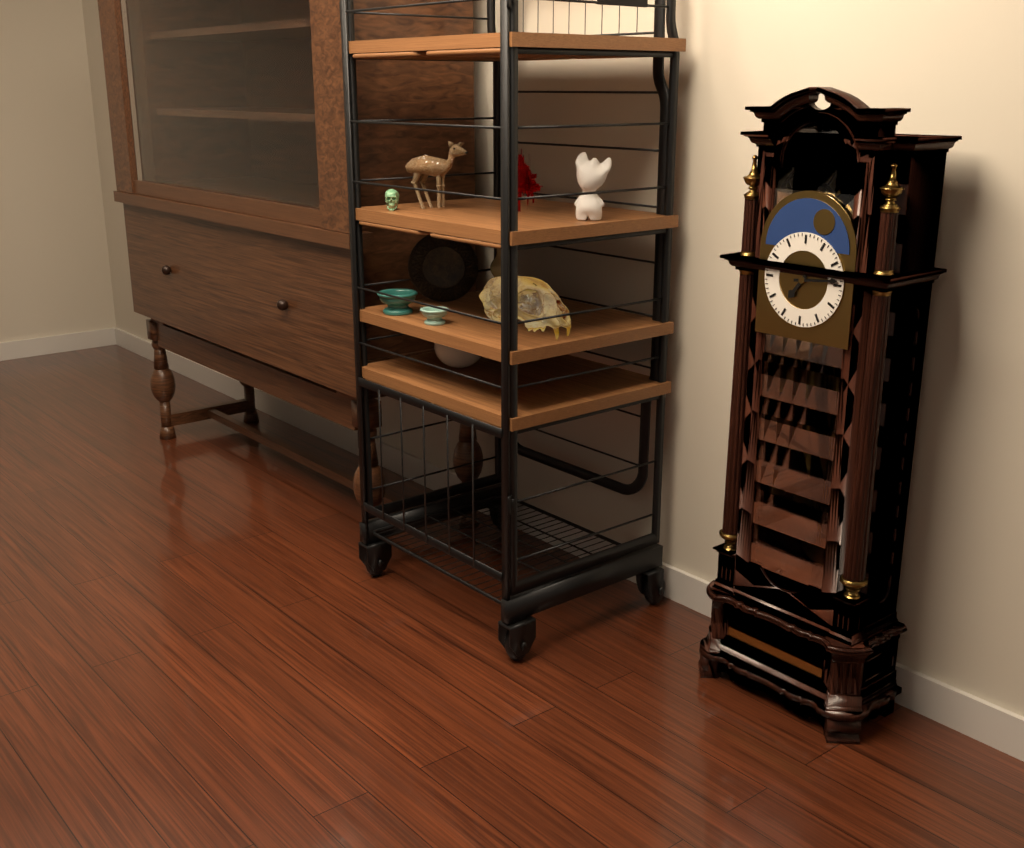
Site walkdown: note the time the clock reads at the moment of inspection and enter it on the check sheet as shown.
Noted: 7:14
